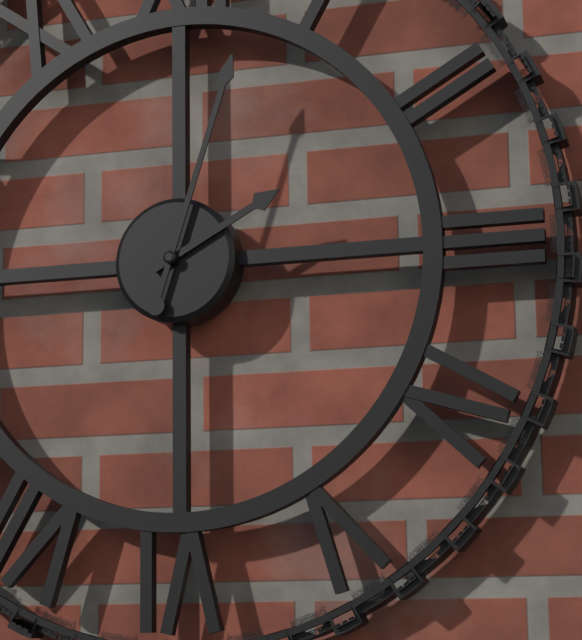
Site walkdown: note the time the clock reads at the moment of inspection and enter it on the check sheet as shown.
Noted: 2:03
